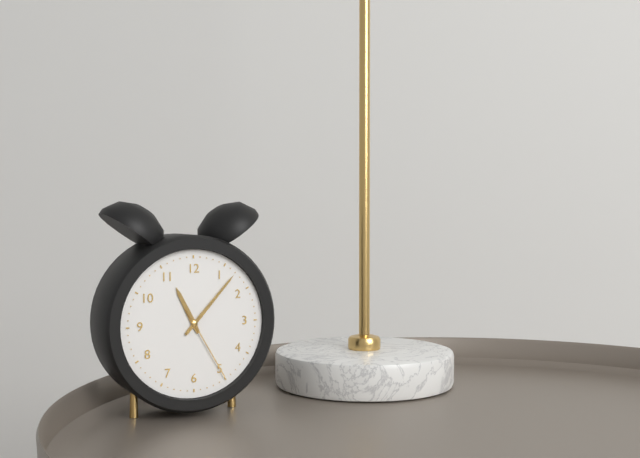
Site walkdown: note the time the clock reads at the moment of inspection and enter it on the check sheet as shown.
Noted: 11:07:25
